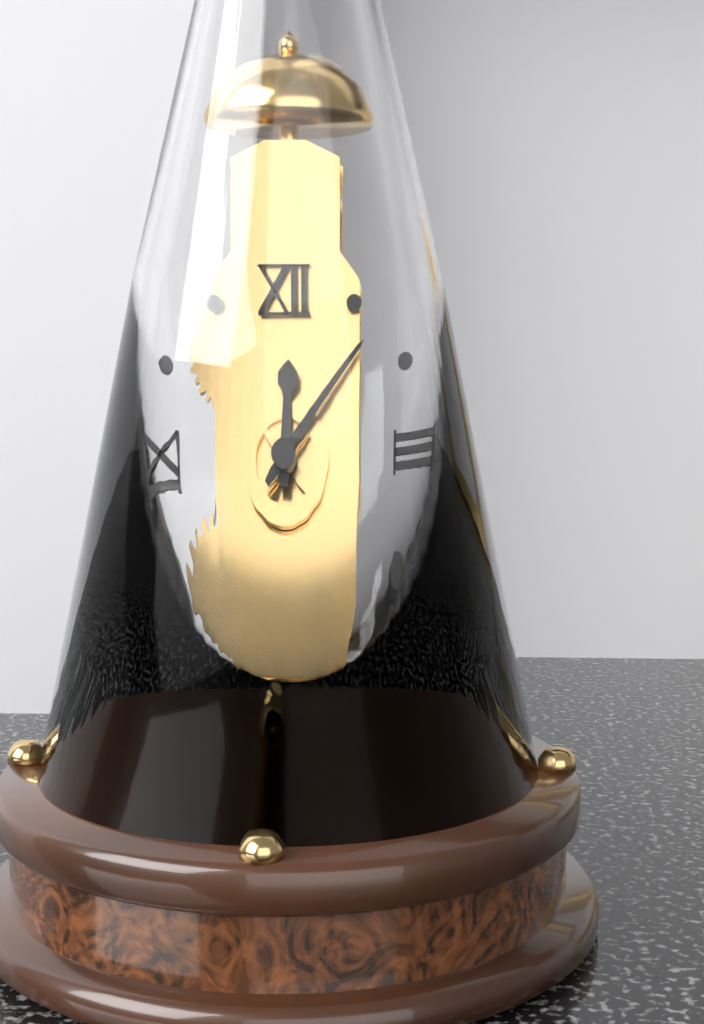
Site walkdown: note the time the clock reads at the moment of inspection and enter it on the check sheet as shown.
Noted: 12:07
